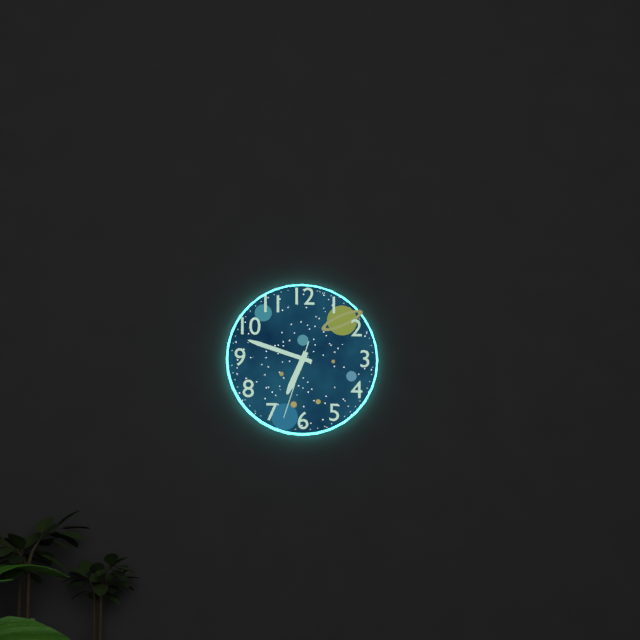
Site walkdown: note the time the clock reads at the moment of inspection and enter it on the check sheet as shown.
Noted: 6:48:33
